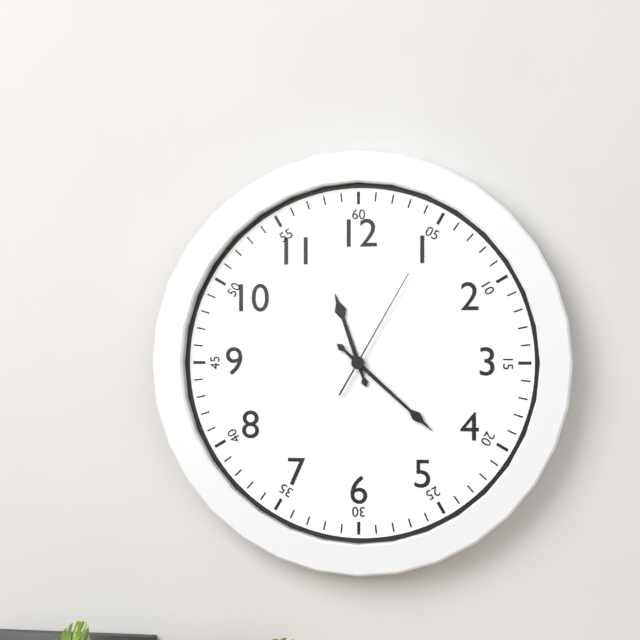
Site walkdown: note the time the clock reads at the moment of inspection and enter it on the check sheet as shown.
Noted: 11:22:05
